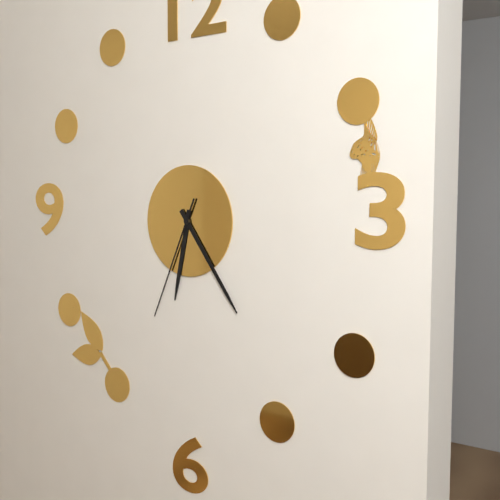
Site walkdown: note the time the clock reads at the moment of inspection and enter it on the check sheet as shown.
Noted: 6:24:34
